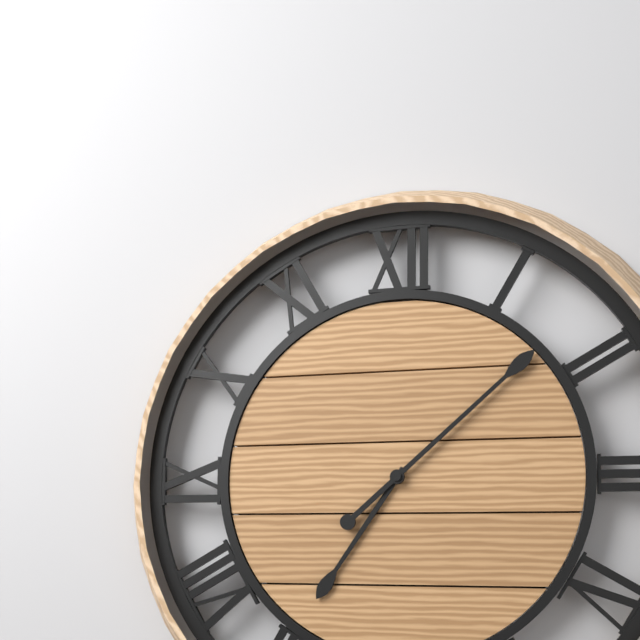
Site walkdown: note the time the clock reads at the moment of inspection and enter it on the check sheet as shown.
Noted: 7:08
